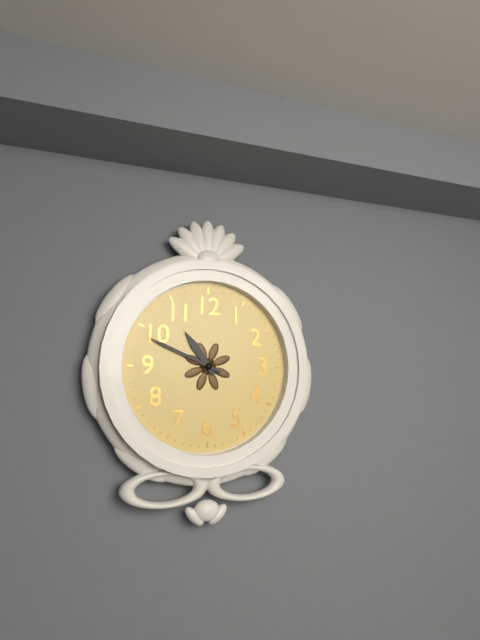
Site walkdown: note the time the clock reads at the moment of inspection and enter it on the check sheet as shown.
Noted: 10:49
